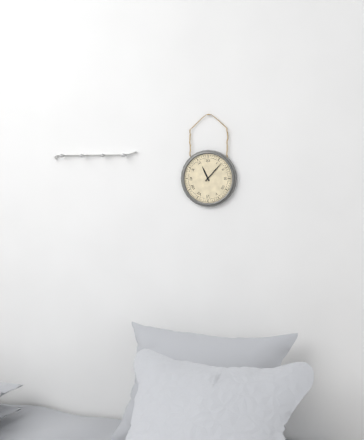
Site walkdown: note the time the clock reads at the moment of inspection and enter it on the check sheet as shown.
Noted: 11:07
